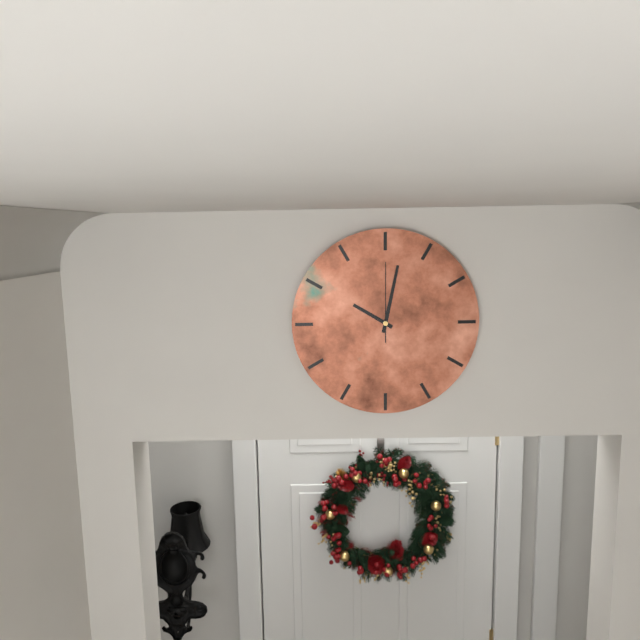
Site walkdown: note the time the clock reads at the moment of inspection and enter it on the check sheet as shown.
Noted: 10:02:00
